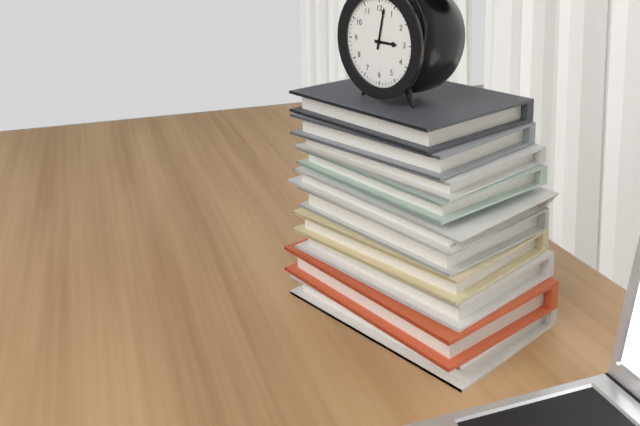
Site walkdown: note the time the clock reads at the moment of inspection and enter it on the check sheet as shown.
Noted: 3:02
